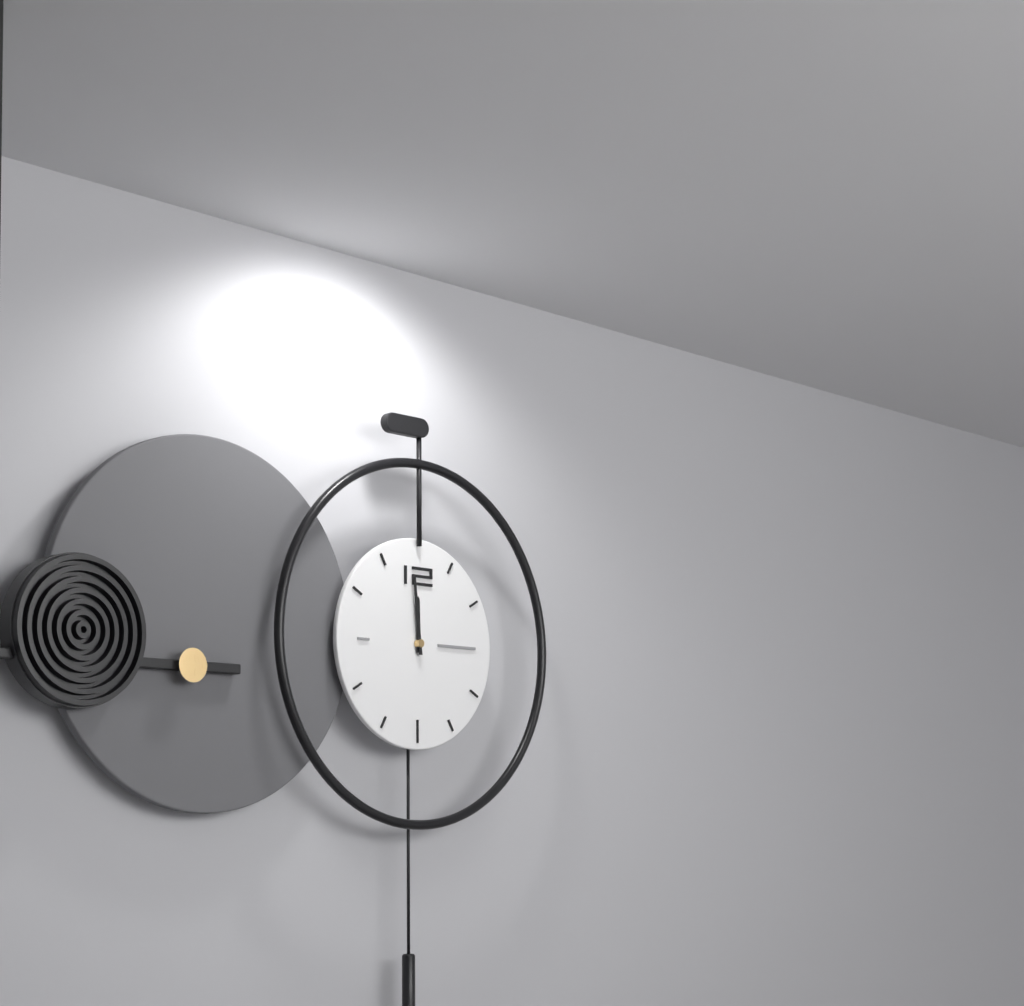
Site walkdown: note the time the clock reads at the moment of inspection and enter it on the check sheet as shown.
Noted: 11:59
